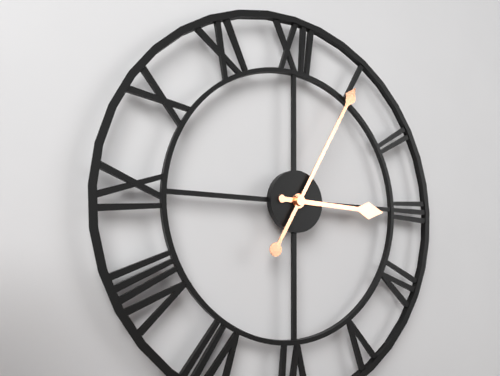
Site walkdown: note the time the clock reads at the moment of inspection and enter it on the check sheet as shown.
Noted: 3:05
